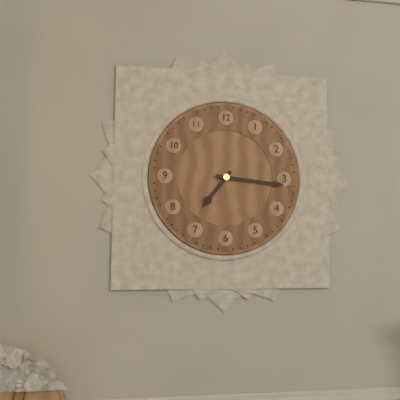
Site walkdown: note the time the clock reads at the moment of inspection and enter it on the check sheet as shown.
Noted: 7:16
